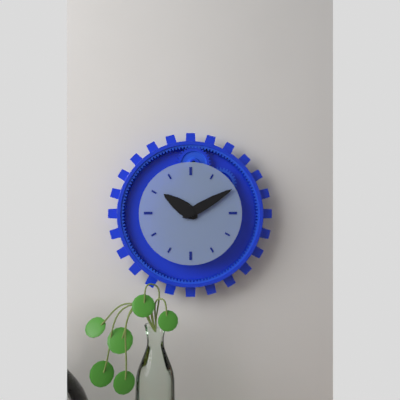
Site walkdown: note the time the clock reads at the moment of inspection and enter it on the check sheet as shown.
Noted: 10:10
